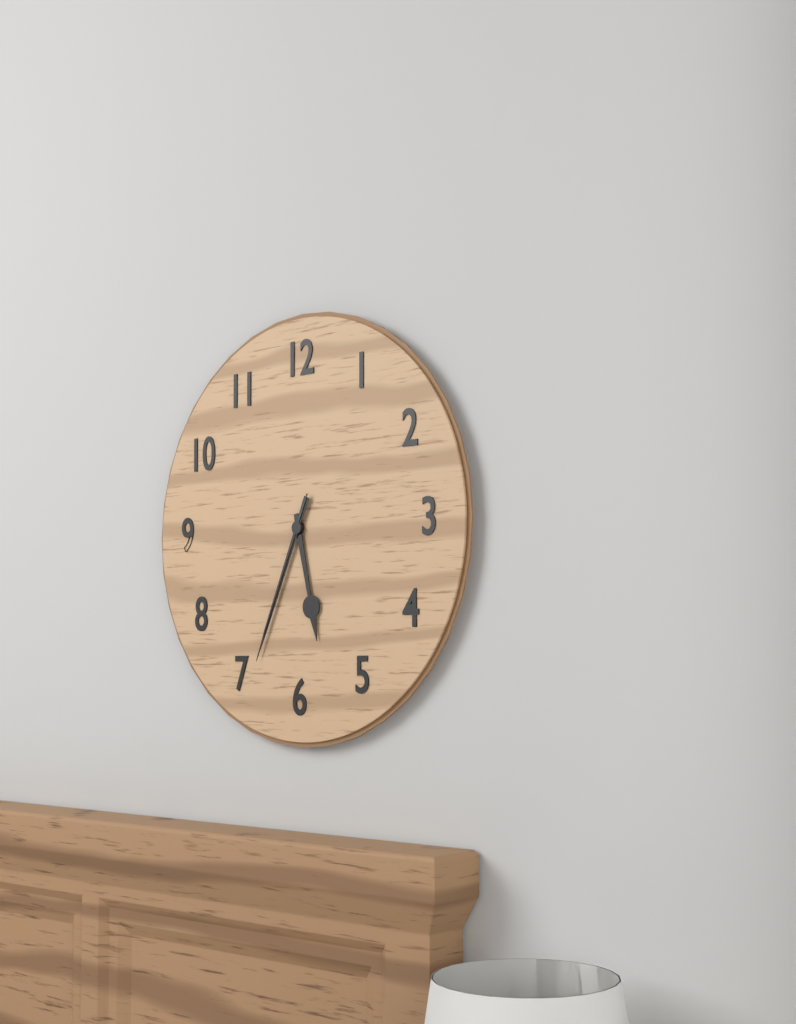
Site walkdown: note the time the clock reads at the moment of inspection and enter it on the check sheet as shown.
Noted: 5:34:34
